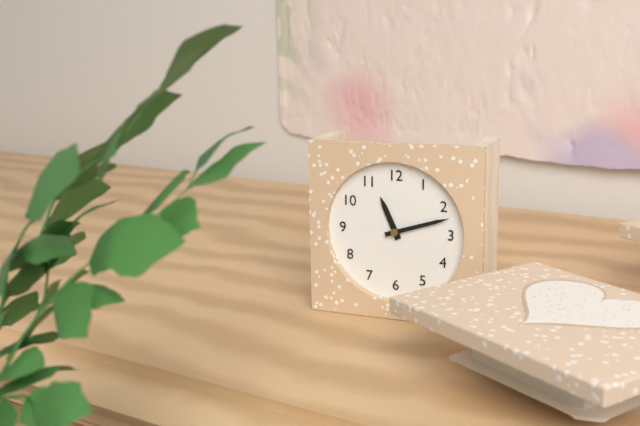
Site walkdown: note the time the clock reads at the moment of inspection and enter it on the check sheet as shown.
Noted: 11:12
